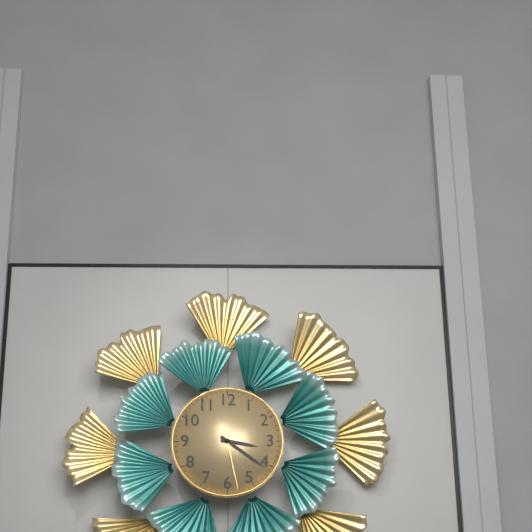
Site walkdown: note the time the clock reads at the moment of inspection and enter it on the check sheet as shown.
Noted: 3:21:28
